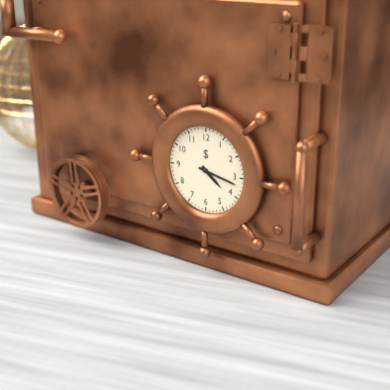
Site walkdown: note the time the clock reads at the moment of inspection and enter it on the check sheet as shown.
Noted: 4:17
